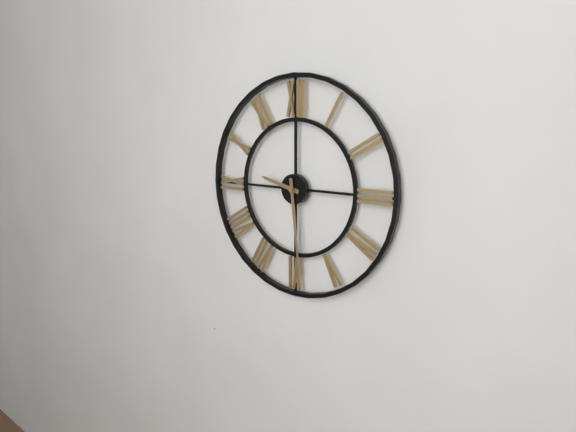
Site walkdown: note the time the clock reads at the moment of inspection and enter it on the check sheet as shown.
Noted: 9:29
